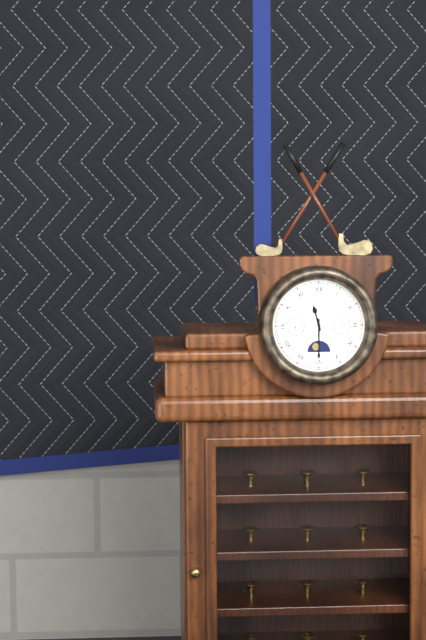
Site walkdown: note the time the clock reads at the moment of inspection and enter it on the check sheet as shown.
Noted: 11:30
